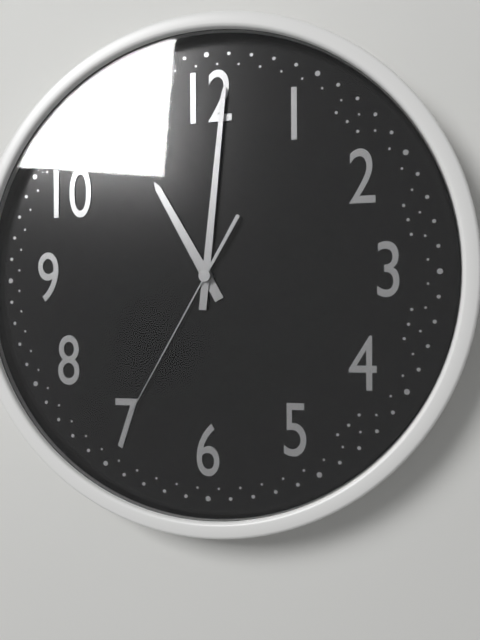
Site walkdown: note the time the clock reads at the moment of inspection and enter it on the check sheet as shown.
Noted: 11:01:35
